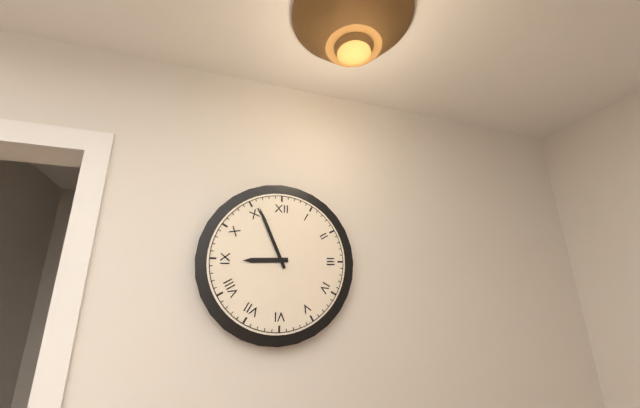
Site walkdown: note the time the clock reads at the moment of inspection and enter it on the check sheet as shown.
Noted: 8:56
